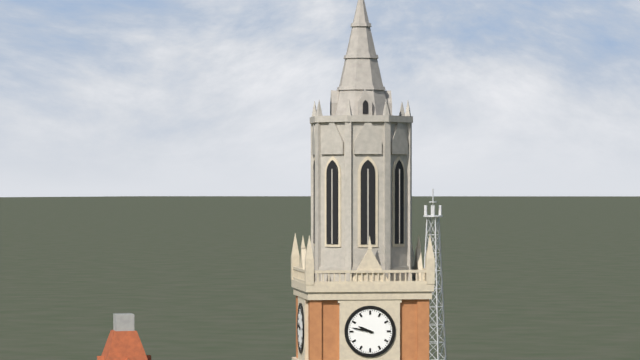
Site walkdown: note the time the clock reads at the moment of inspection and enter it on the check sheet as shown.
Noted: 9:47
